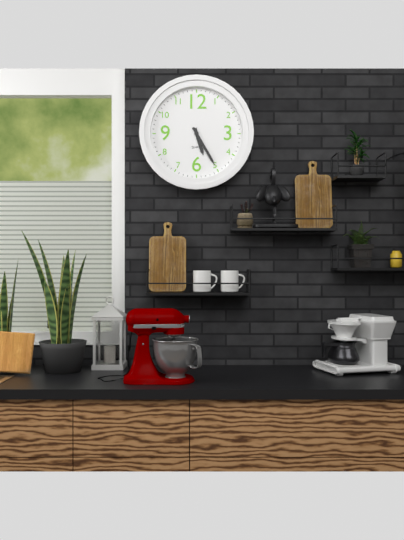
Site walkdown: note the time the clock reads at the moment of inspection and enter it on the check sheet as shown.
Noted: 5:25
